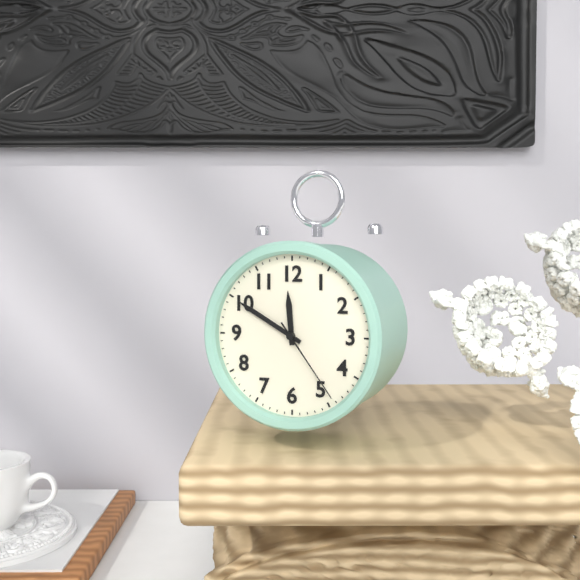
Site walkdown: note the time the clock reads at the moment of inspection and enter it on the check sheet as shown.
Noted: 11:50:24
